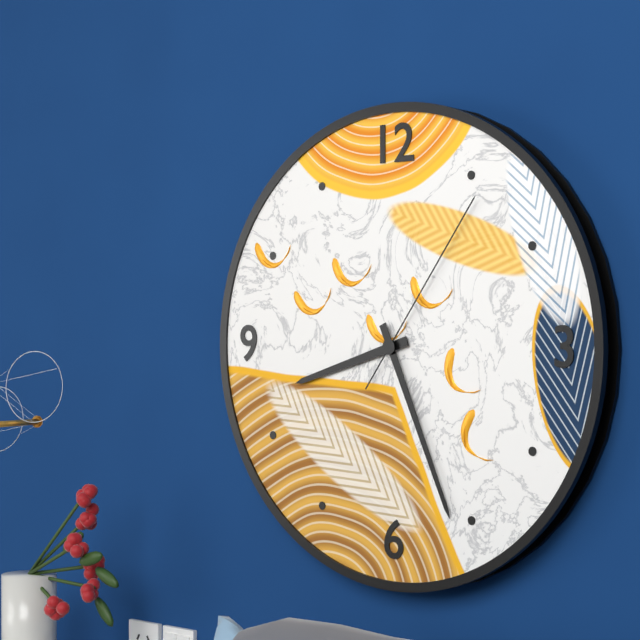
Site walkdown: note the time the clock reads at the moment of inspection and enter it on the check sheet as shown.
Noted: 8:26:06
